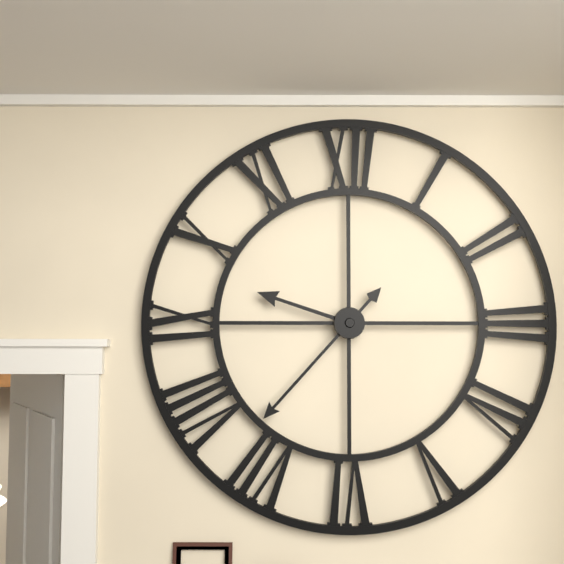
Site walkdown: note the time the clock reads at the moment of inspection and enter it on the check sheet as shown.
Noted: 9:37
